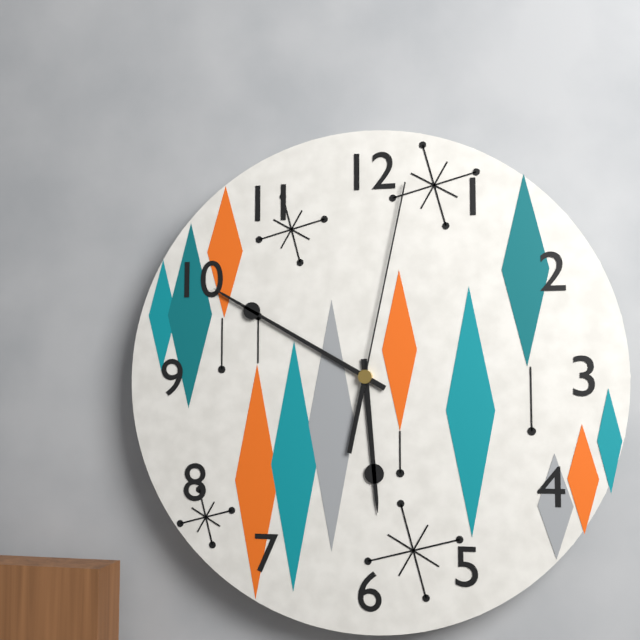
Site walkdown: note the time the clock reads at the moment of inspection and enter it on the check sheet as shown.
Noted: 5:50:02
